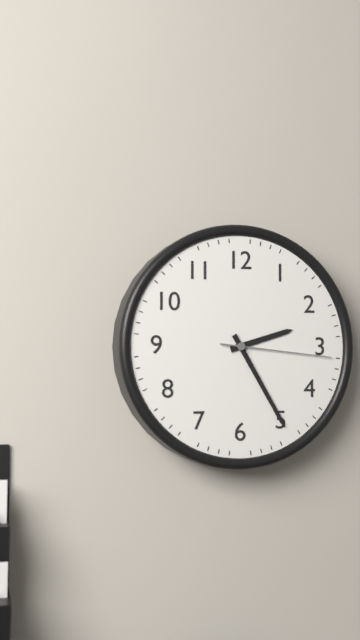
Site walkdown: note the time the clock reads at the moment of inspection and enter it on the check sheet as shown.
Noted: 2:25:16
